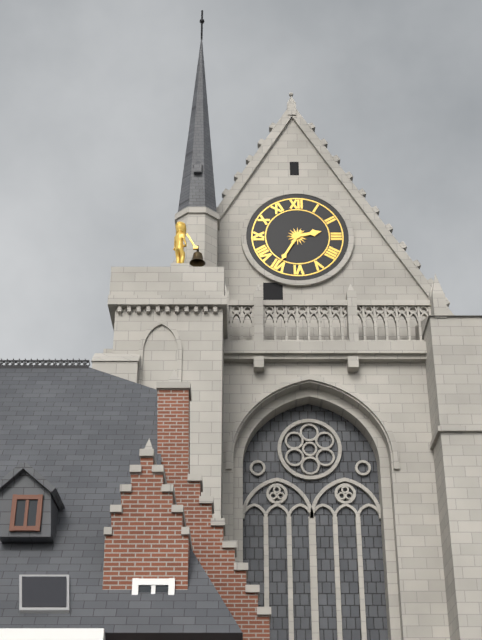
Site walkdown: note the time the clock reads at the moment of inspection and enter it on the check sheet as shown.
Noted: 2:35
